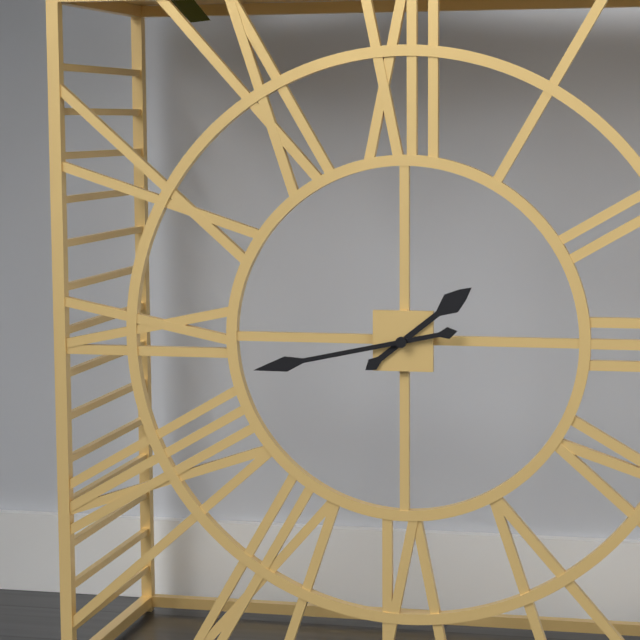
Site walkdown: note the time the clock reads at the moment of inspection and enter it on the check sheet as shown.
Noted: 1:43
